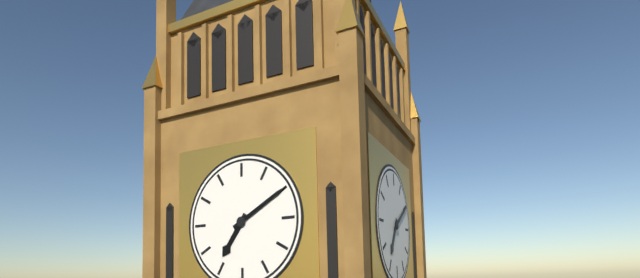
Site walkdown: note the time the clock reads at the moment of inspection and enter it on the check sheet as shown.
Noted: 7:10
